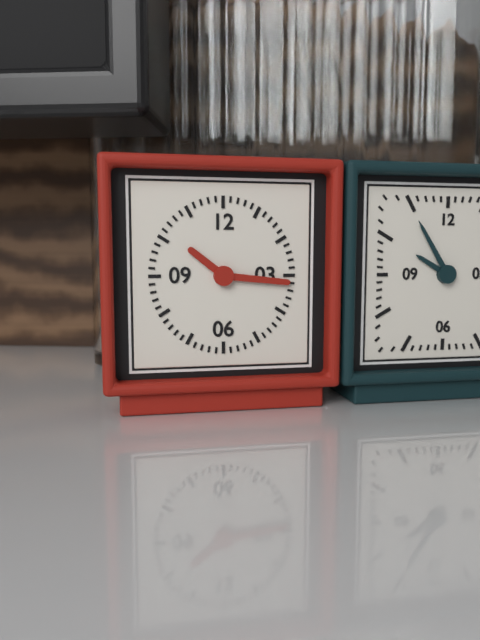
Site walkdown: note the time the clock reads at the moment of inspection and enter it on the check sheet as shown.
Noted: 10:16
